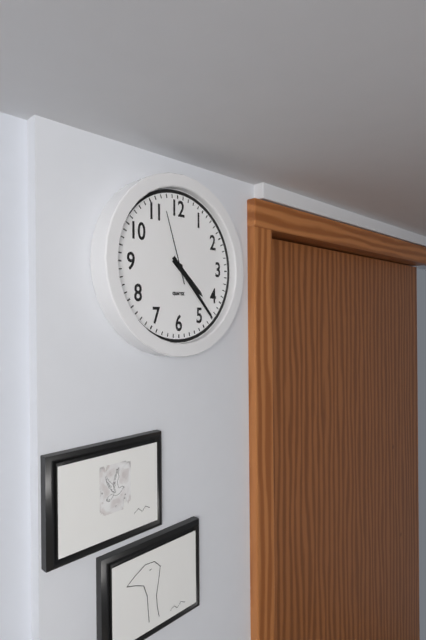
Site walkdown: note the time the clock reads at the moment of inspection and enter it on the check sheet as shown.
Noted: 4:23:57
